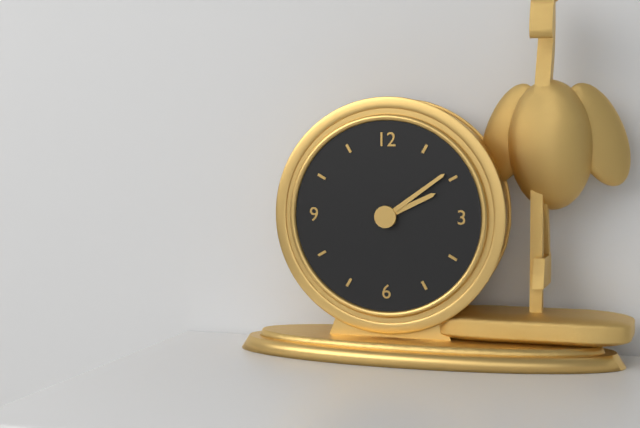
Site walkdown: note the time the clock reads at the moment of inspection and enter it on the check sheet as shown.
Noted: 2:09
